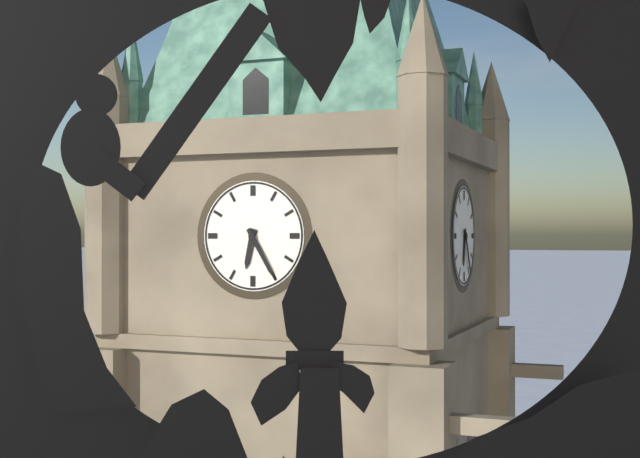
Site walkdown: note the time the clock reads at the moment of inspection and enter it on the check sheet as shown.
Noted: 6:25
